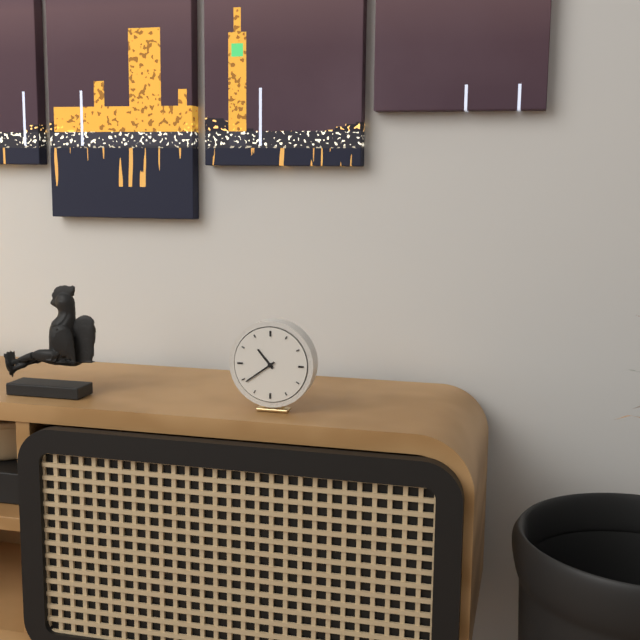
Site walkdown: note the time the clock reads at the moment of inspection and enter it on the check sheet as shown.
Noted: 10:39
